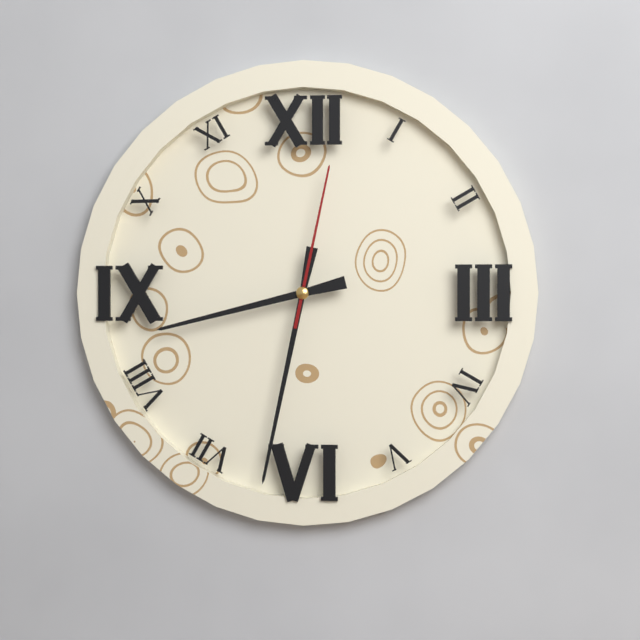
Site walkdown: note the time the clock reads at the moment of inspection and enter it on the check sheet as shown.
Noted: 8:32:02
